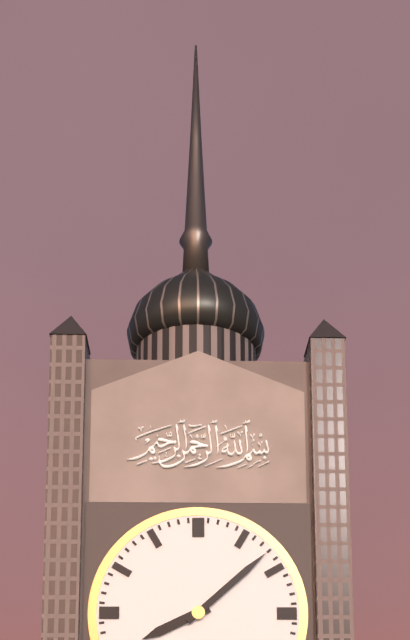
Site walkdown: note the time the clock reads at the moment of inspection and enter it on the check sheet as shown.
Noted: 8:08
